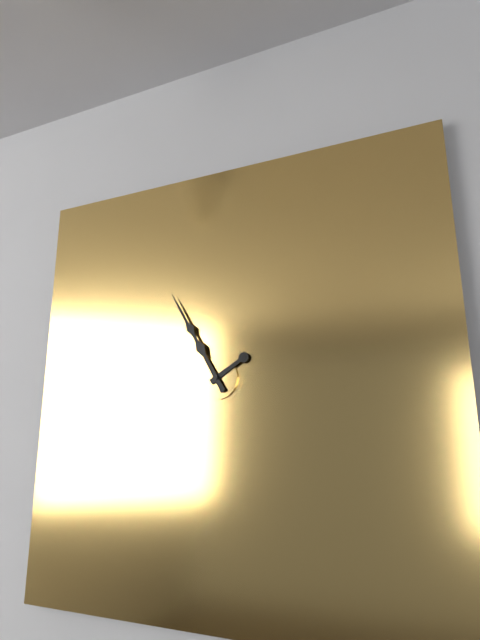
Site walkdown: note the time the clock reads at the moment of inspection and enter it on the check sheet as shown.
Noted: 1:55
